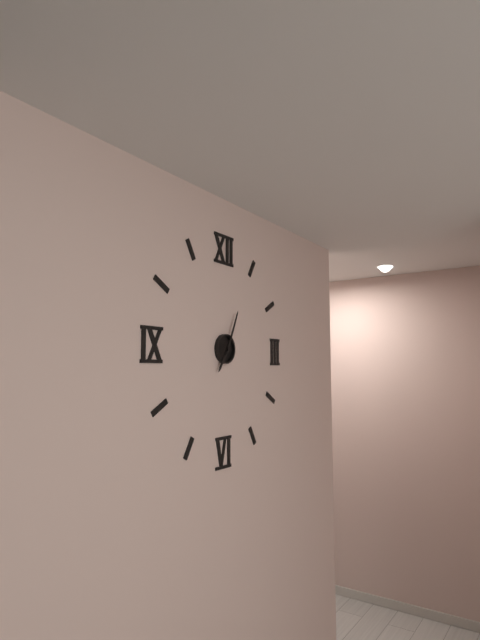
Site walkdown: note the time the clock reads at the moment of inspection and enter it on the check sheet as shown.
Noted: 7:04
